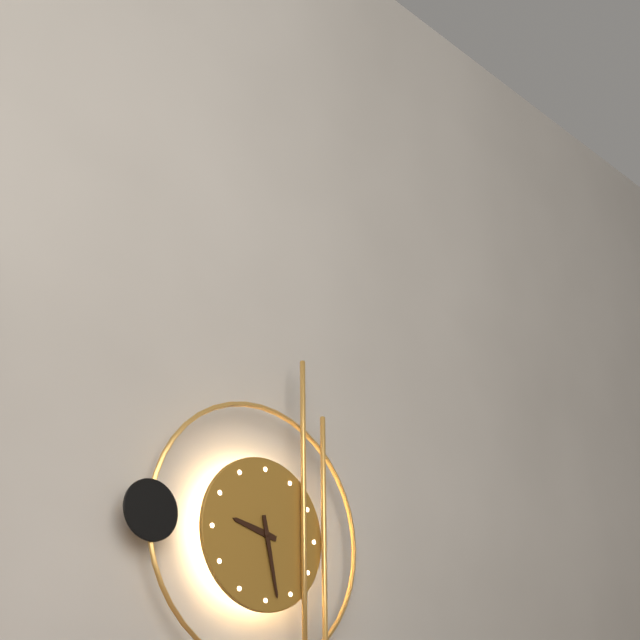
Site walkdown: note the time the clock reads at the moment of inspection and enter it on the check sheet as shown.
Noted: 9:28
